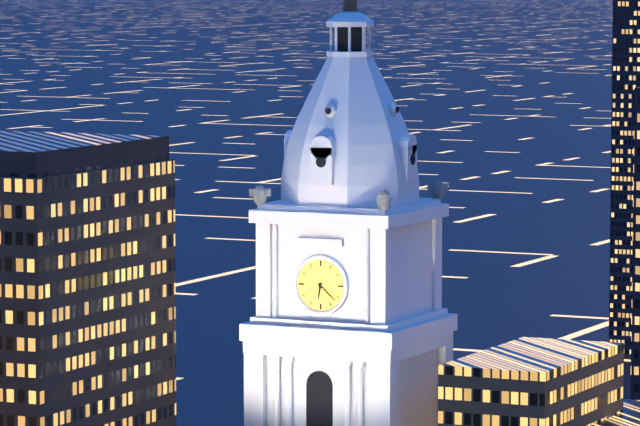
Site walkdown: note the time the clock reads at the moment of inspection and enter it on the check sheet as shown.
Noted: 6:22
